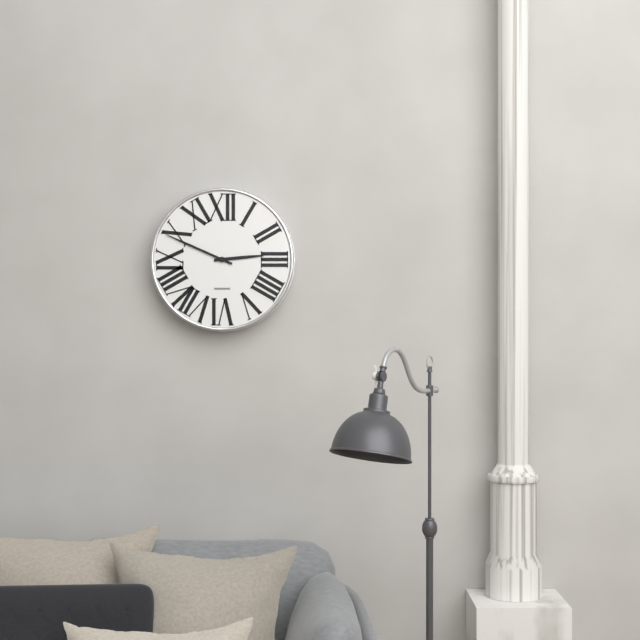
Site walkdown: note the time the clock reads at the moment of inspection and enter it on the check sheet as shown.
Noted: 2:49
